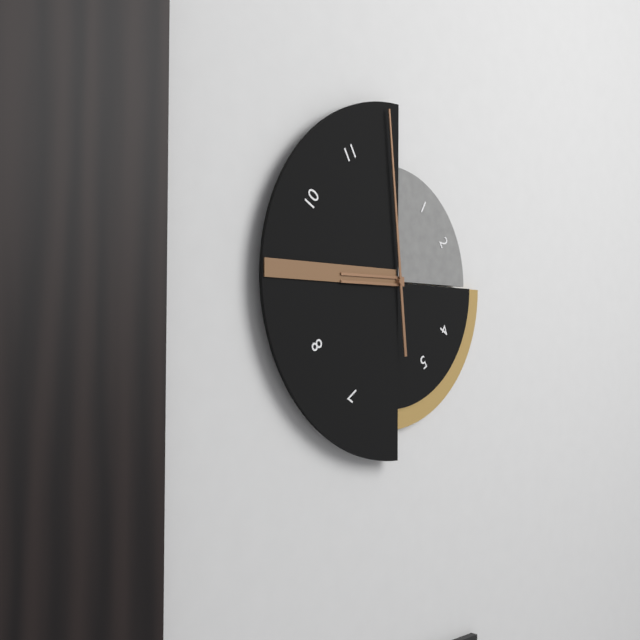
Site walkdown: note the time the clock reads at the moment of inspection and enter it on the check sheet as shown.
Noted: 8:59
